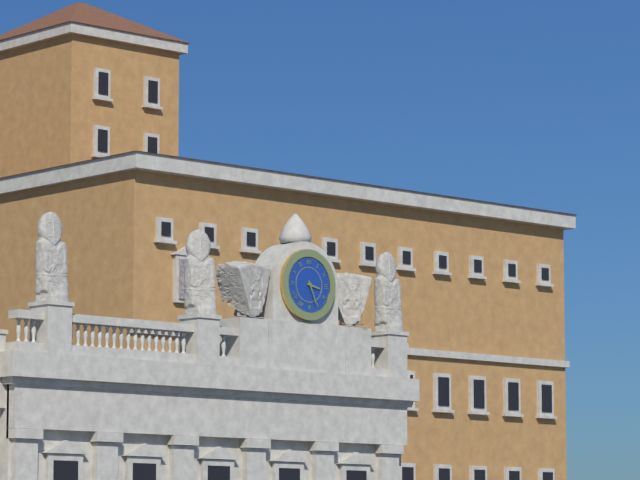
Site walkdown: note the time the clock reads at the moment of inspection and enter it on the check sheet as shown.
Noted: 3:26
